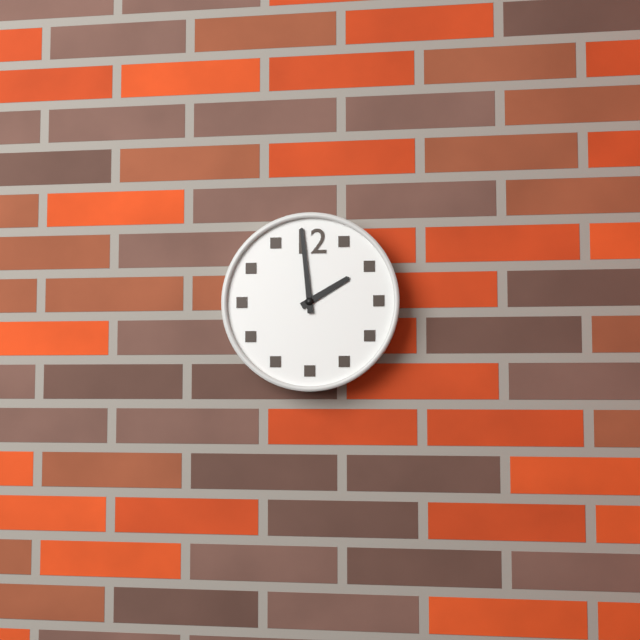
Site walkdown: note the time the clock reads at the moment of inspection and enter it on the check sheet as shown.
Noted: 1:59
